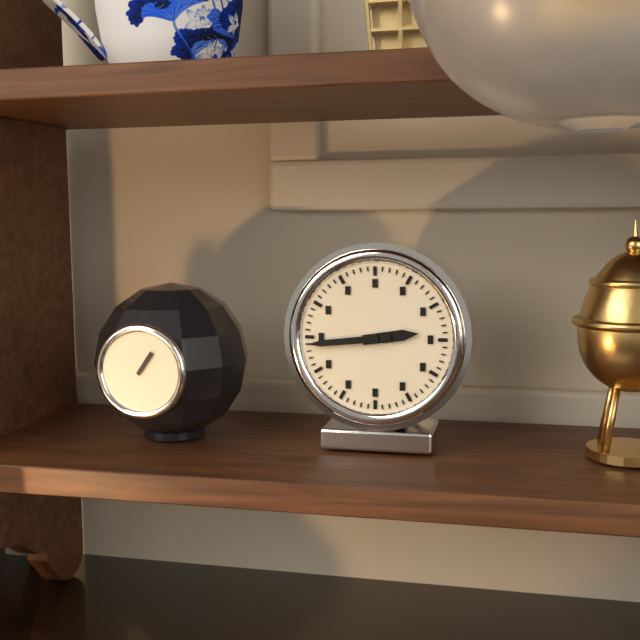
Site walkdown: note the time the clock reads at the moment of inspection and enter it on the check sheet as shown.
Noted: 2:44
